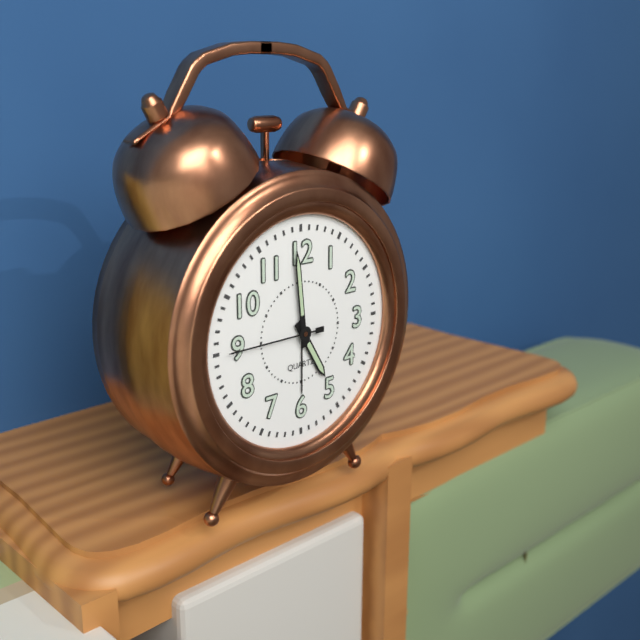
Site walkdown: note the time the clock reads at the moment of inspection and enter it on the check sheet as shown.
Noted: 4:59:45
